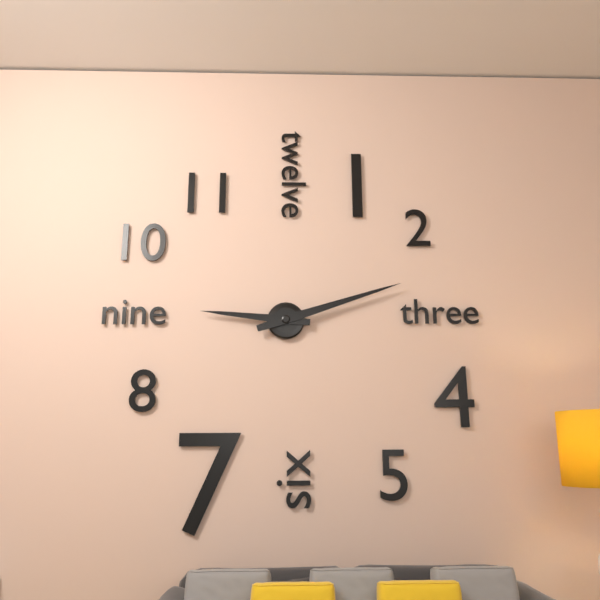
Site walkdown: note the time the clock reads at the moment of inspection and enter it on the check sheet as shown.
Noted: 9:12
